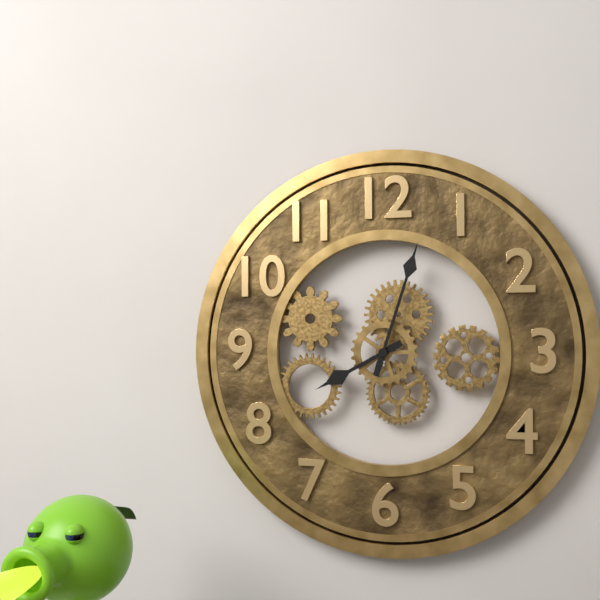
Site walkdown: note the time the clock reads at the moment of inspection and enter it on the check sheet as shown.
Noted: 8:03
